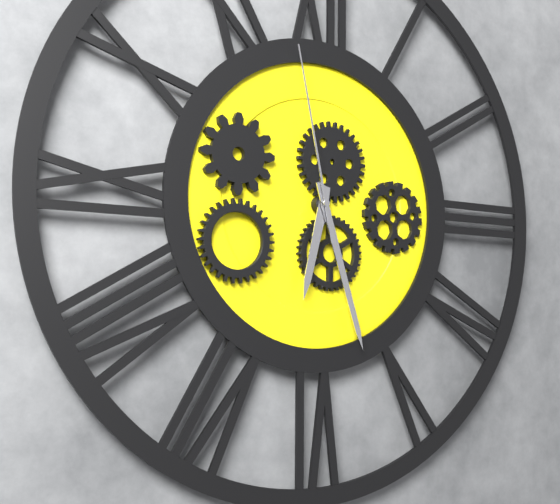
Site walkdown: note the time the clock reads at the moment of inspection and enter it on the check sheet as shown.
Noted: 6:27:58
